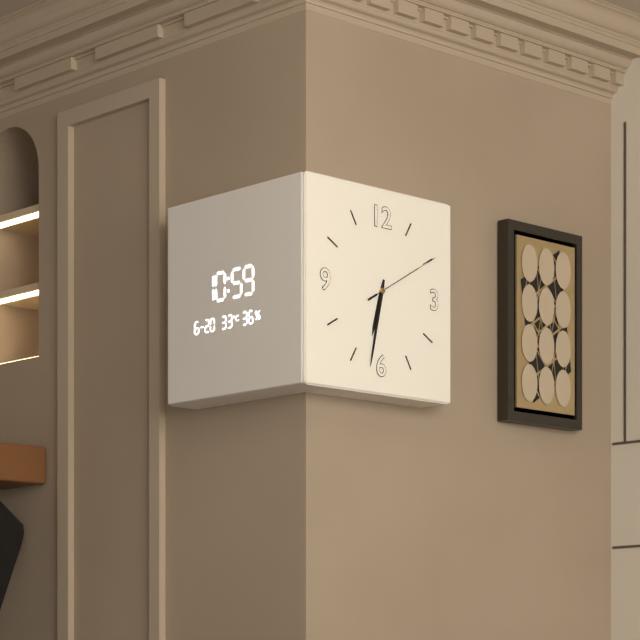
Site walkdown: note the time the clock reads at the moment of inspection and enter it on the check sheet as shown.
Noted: 6:32:10
